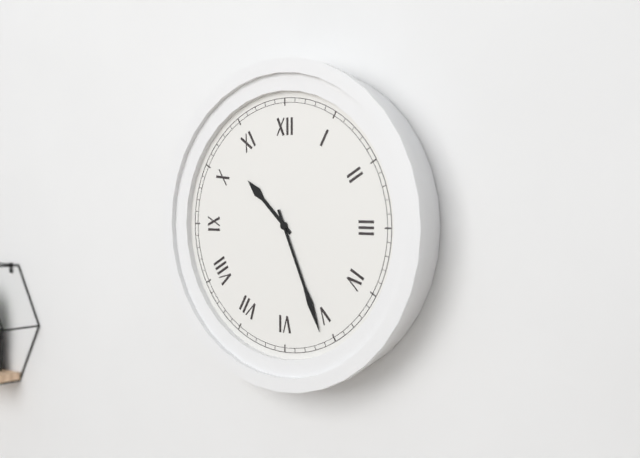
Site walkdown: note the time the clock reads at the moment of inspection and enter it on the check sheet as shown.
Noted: 10:26
